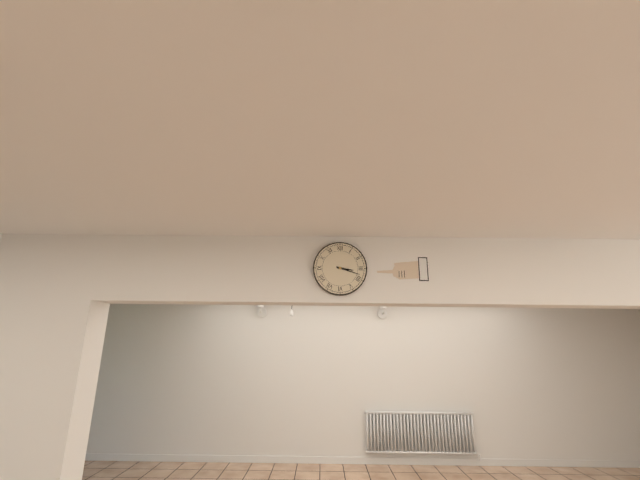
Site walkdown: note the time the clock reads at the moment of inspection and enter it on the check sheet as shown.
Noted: 3:18
